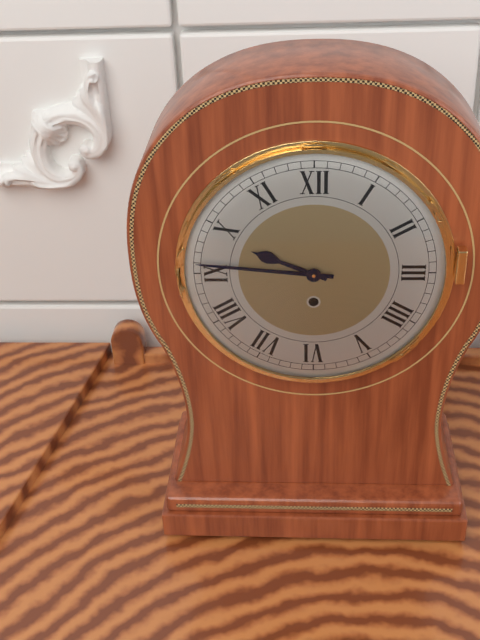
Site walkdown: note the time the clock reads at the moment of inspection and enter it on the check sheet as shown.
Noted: 9:46
